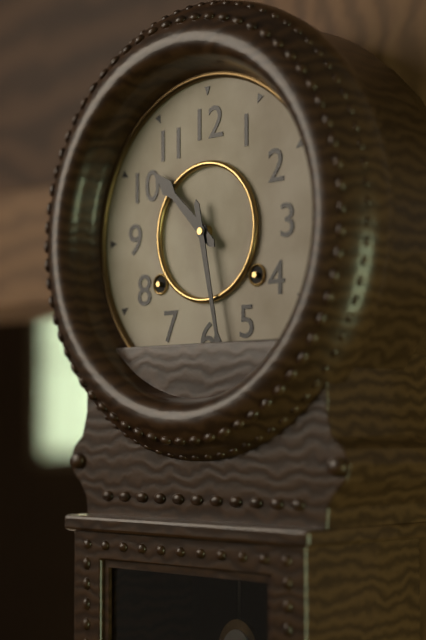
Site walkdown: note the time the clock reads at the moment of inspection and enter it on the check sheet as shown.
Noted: 10:28
